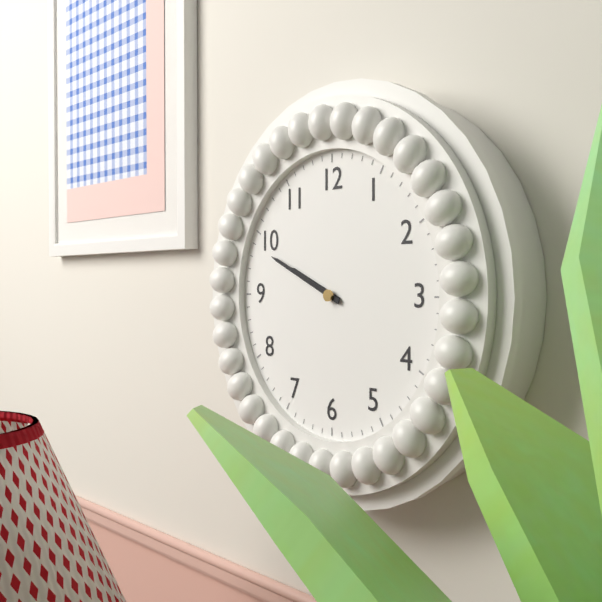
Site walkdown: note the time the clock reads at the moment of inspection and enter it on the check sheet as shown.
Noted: 9:49
